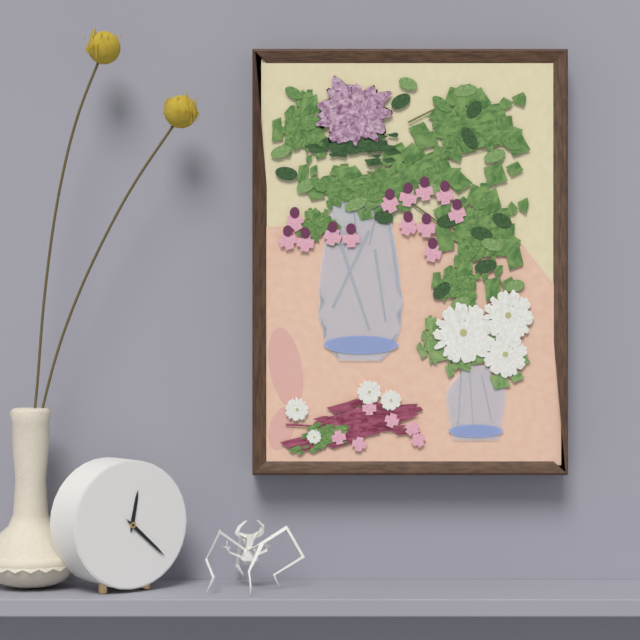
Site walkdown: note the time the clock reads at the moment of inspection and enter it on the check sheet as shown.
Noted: 12:22
